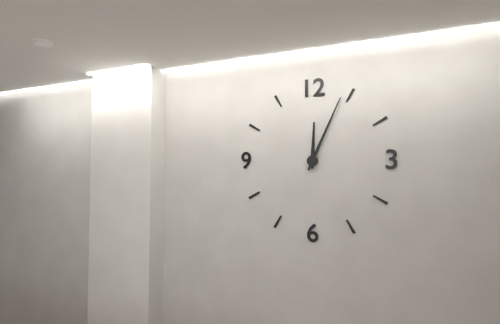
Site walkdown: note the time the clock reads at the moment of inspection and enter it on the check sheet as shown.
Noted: 12:04
